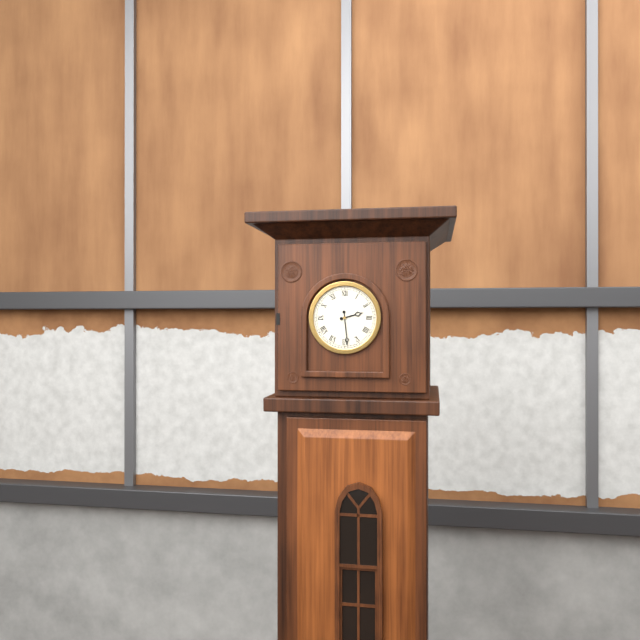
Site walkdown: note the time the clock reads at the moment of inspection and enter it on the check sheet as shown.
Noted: 2:29
